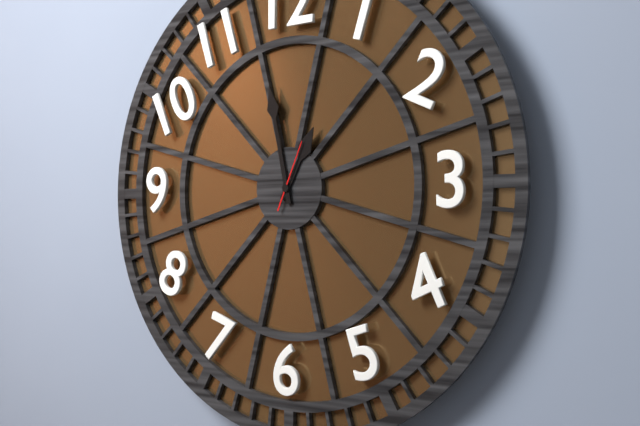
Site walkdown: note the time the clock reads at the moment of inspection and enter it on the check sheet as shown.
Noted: 12:58:04
